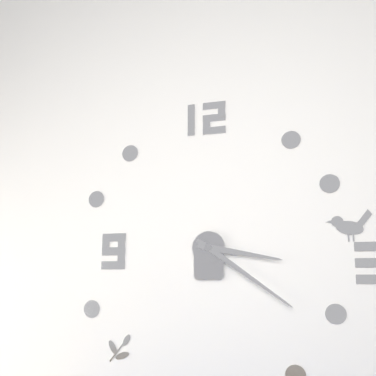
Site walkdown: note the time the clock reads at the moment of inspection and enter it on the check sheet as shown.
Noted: 3:21
